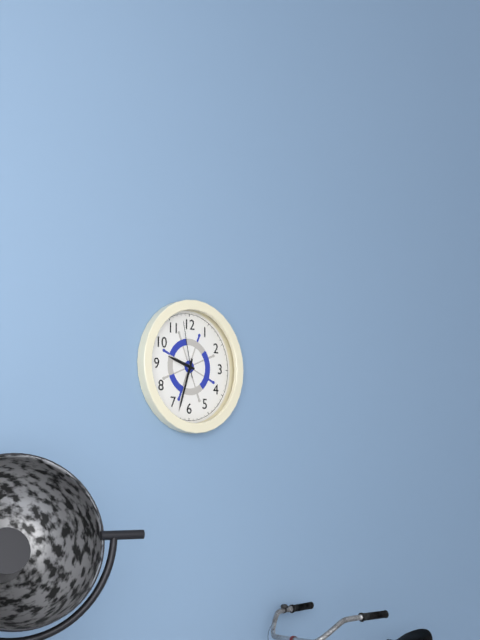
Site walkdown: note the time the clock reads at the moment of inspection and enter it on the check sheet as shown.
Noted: 9:33:58
